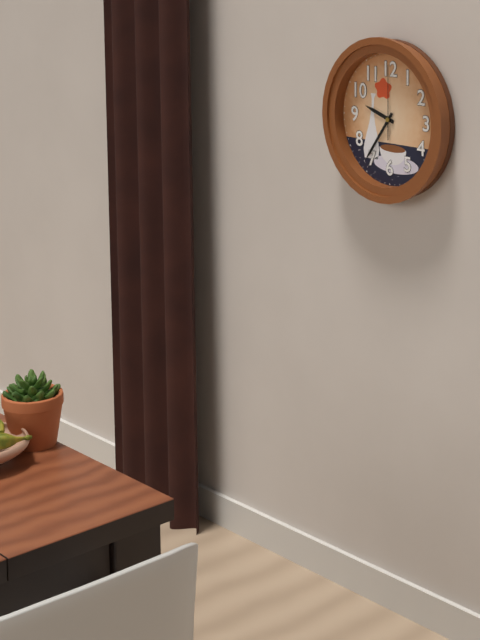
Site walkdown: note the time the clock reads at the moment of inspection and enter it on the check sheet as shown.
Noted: 9:36:00
